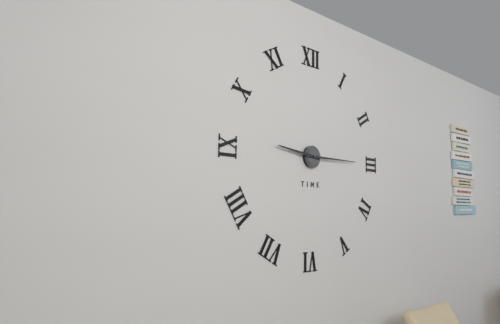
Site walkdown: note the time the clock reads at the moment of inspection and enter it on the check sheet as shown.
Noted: 9:15
